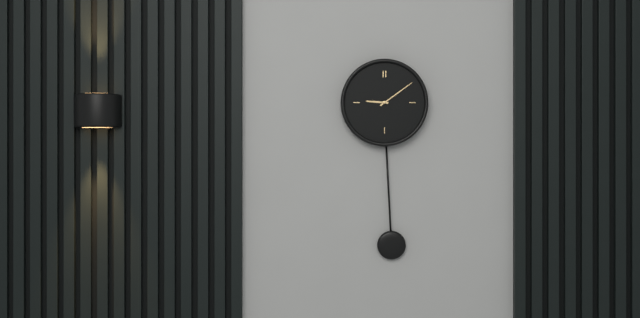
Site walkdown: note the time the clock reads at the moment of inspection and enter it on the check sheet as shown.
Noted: 9:09
